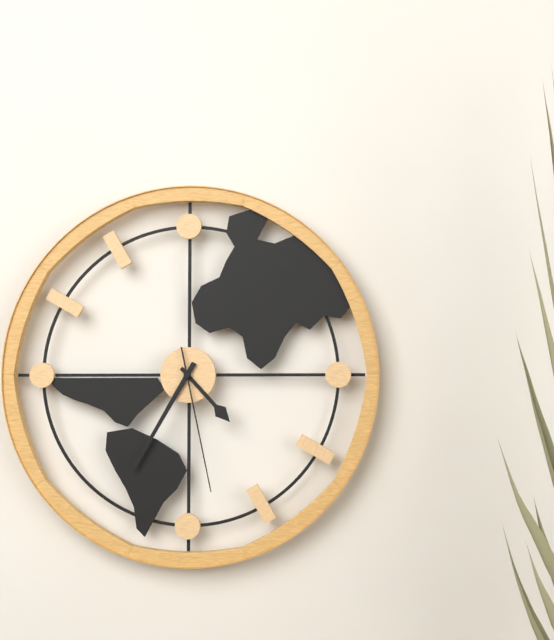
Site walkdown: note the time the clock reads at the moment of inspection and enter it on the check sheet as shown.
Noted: 4:35:28
